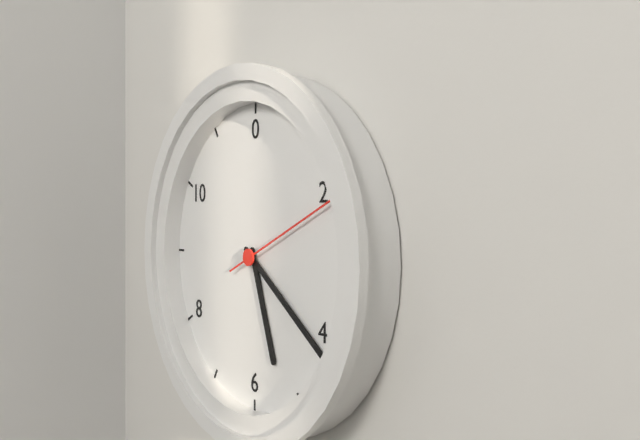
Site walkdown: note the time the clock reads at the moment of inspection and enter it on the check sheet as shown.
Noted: 5:21:11
